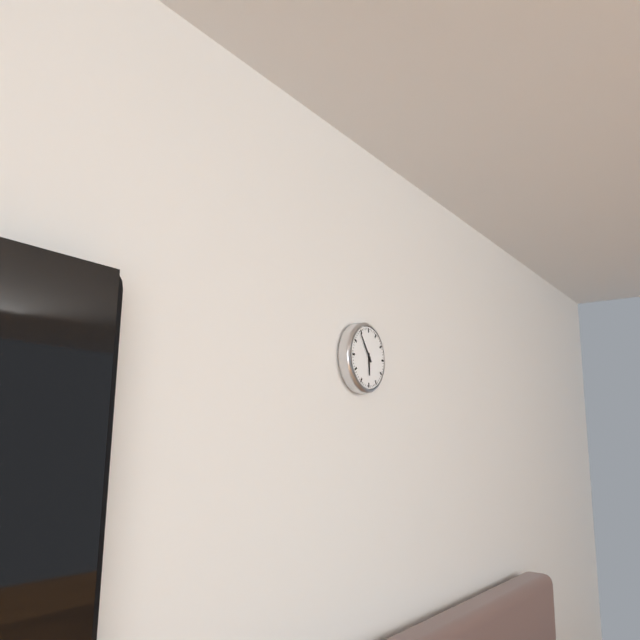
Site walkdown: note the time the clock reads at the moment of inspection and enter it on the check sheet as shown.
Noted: 5:54
